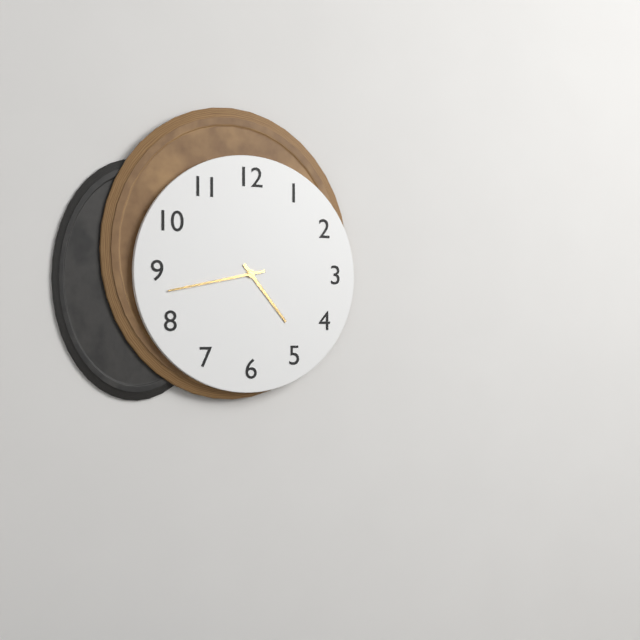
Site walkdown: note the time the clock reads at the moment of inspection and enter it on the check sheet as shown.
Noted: 4:43
